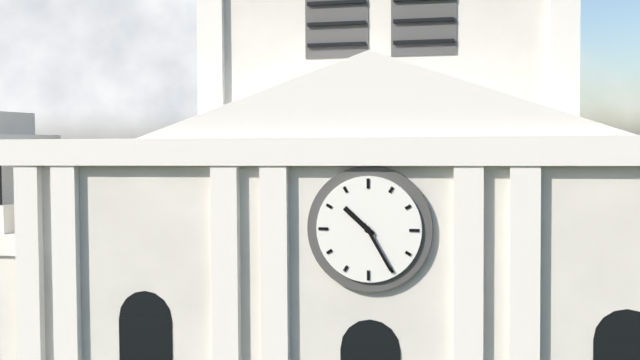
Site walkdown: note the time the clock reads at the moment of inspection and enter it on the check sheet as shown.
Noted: 10:25
